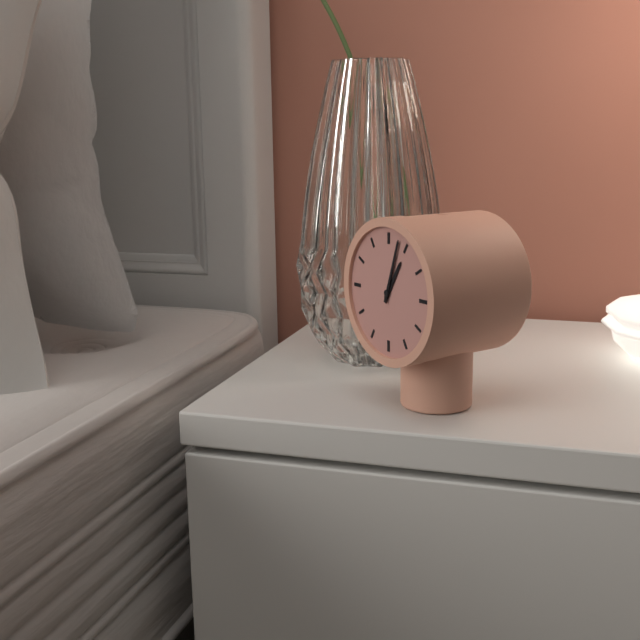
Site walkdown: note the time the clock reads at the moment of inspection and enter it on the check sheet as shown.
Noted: 1:03
